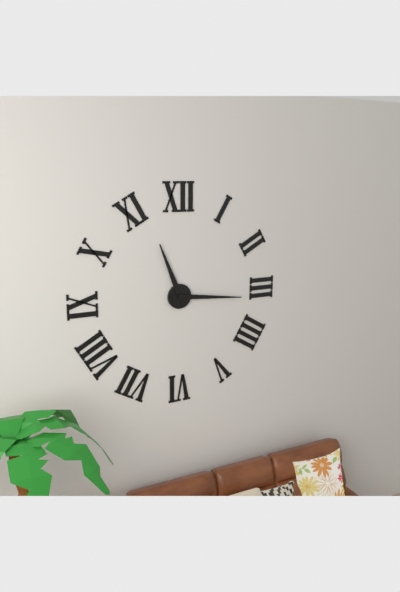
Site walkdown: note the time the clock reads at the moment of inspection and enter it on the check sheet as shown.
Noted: 11:16
